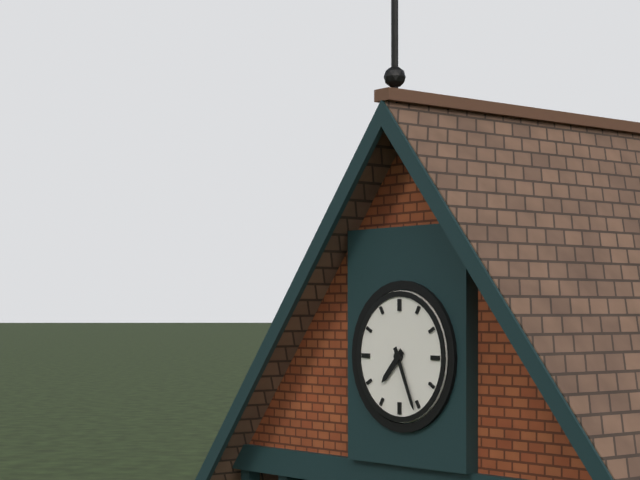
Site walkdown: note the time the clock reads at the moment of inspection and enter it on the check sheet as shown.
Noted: 7:26
